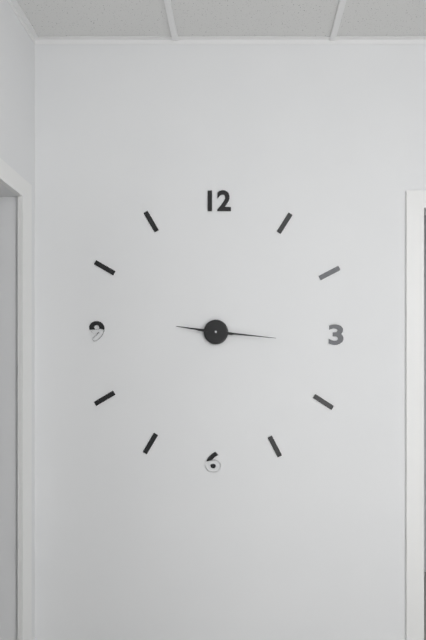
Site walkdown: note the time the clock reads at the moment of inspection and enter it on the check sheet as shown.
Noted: 9:16
